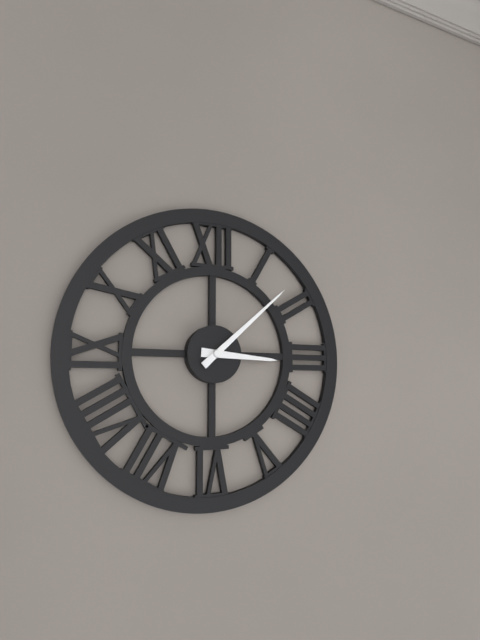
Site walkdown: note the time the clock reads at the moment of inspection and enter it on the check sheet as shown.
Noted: 3:08
